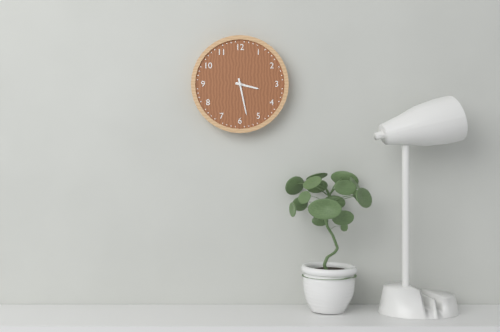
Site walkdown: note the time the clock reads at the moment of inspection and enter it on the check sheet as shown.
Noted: 3:28
